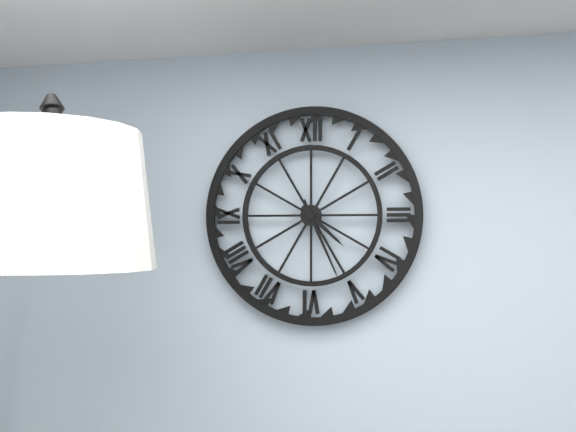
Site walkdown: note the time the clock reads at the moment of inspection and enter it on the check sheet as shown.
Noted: 4:26
